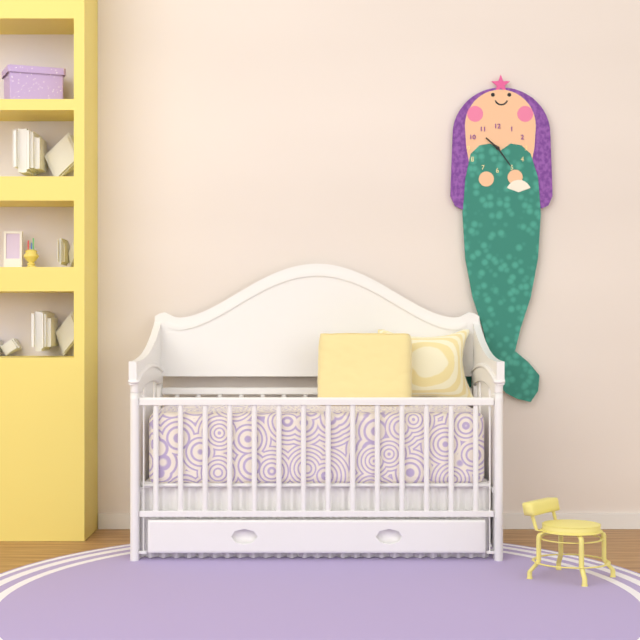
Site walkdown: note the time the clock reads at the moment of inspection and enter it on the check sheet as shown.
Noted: 10:24
